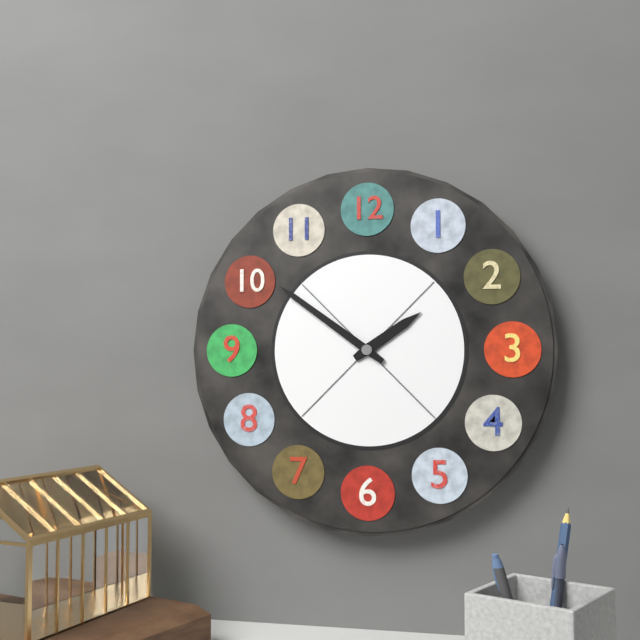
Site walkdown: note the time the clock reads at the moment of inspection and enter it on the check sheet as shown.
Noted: 1:51
